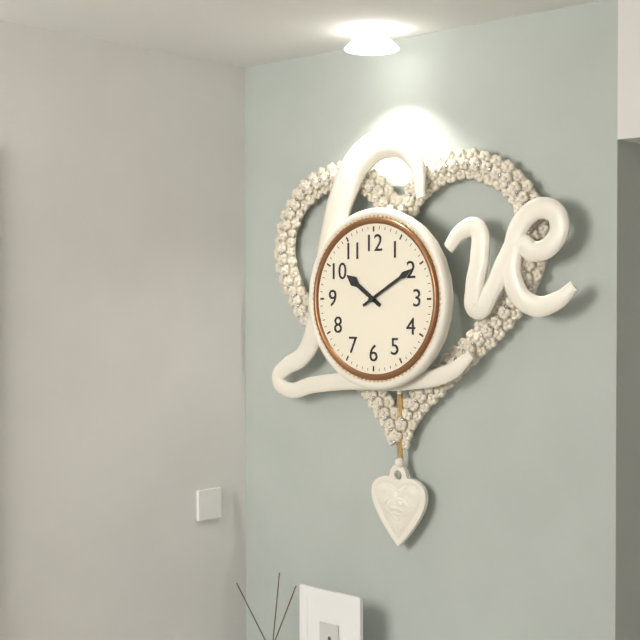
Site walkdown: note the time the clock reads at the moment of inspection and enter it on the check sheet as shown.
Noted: 10:10
